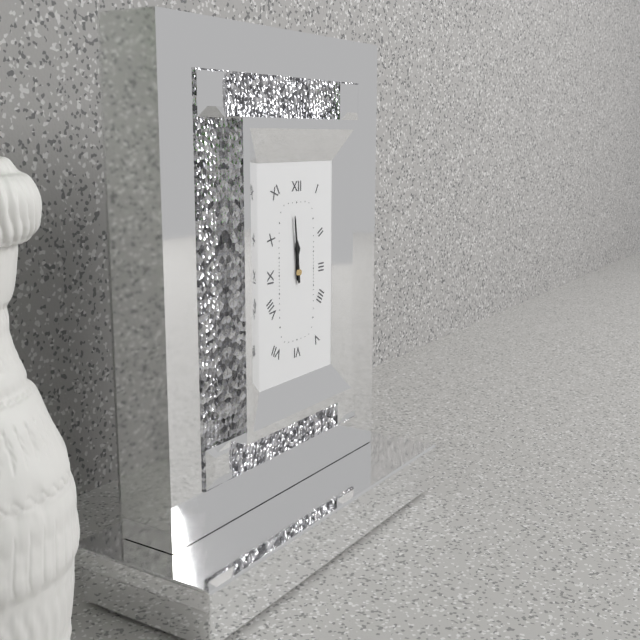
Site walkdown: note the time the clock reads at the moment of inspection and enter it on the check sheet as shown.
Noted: 11:59
